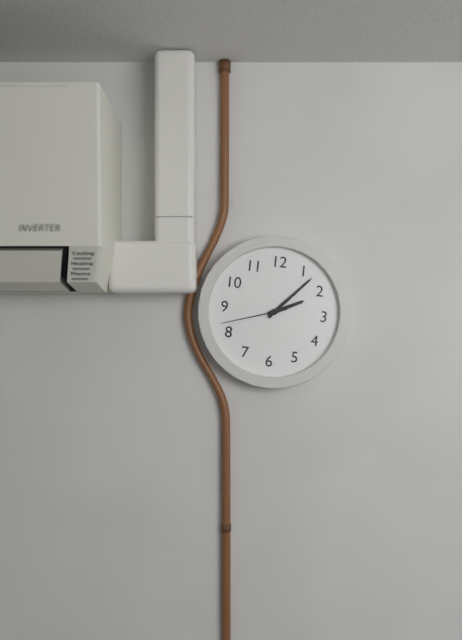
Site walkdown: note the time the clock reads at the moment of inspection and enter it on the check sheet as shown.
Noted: 2:07:42
